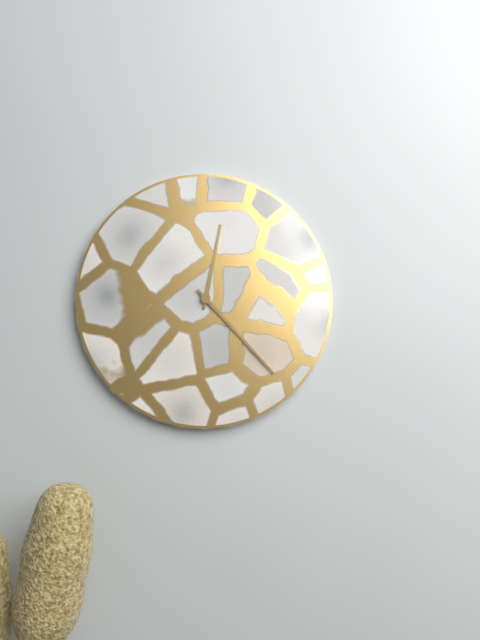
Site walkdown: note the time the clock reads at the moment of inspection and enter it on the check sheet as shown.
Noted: 12:23
